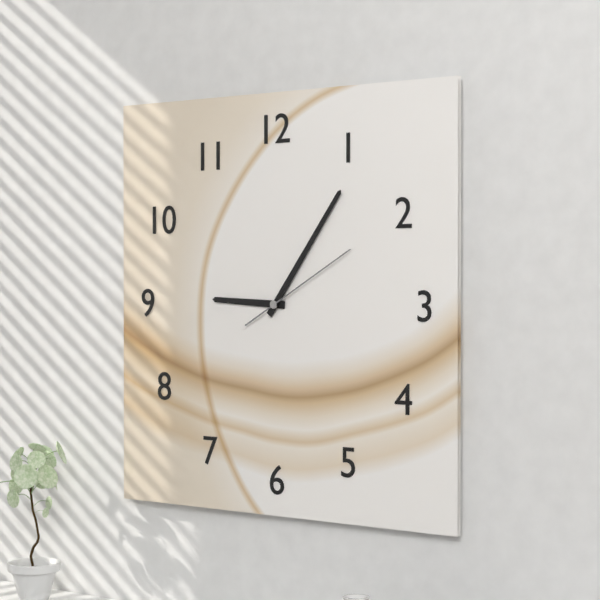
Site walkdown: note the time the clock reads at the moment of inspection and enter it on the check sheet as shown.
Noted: 9:06:10
